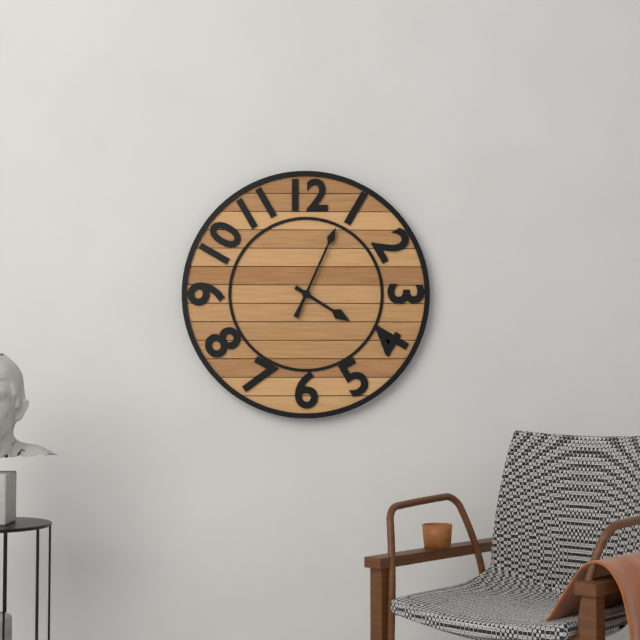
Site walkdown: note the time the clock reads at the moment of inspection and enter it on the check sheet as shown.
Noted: 4:04
